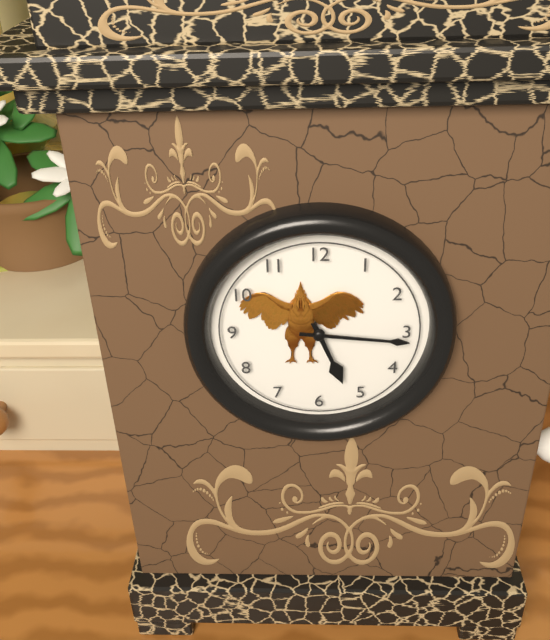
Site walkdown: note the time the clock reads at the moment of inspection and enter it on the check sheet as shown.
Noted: 5:16
